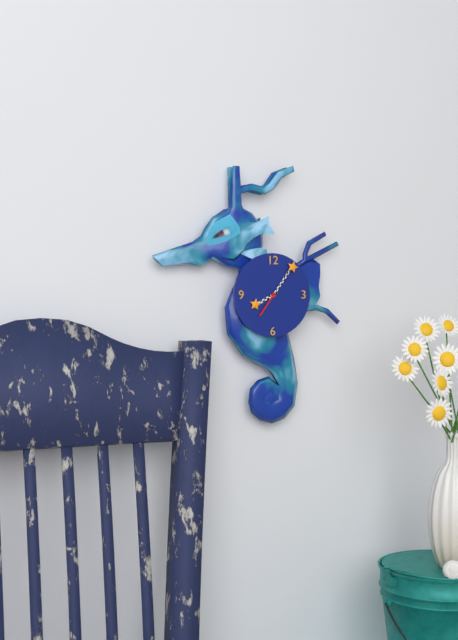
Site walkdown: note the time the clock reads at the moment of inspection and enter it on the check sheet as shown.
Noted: 8:06
